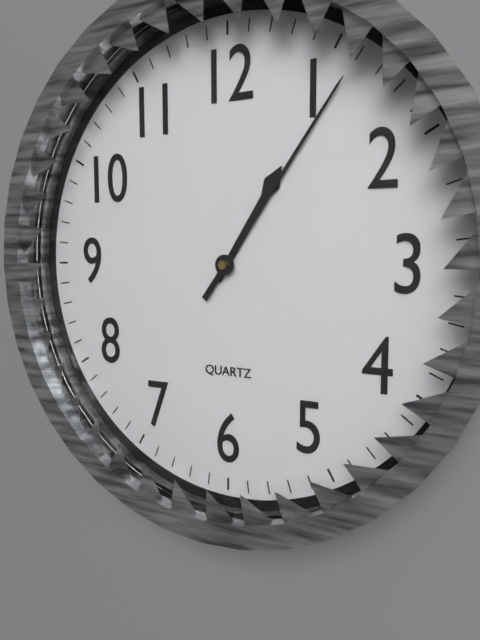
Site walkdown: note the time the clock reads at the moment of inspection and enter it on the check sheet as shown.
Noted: 1:06
